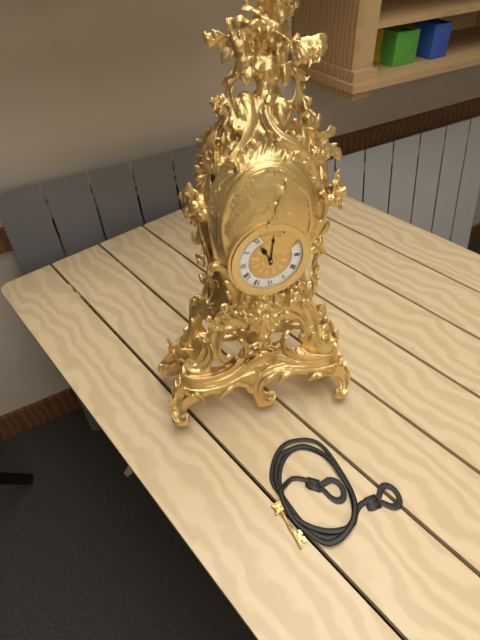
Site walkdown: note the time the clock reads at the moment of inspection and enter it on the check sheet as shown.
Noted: 11:01
